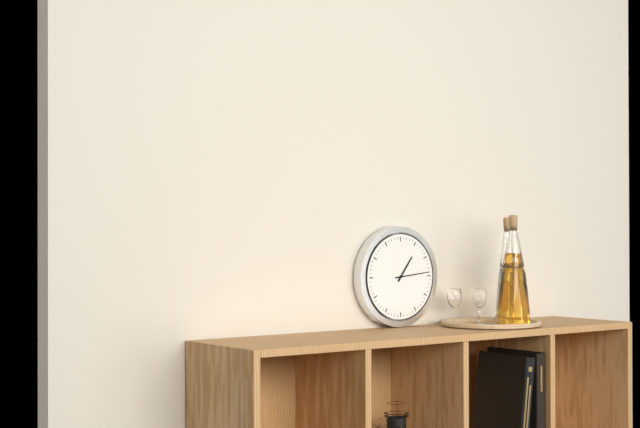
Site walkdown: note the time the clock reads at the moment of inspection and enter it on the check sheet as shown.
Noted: 1:14
